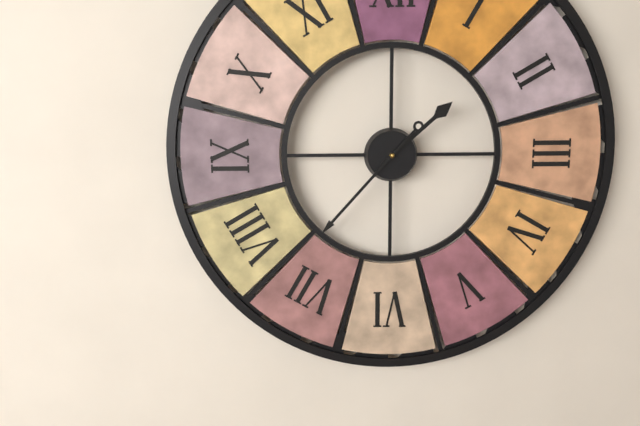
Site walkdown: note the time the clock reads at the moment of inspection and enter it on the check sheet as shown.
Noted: 1:37
